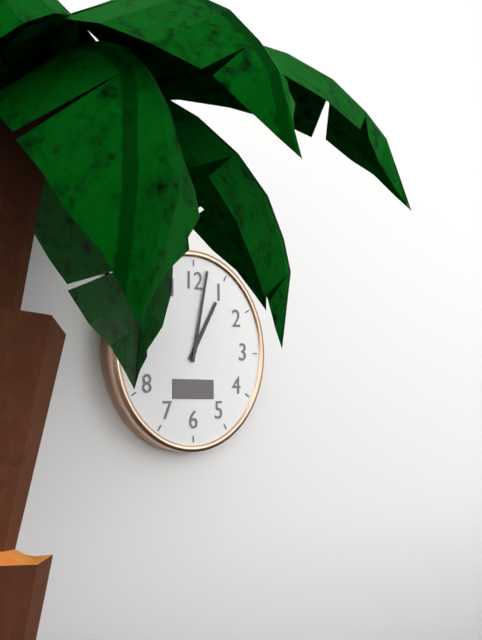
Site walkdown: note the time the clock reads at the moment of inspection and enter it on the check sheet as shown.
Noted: 1:02
